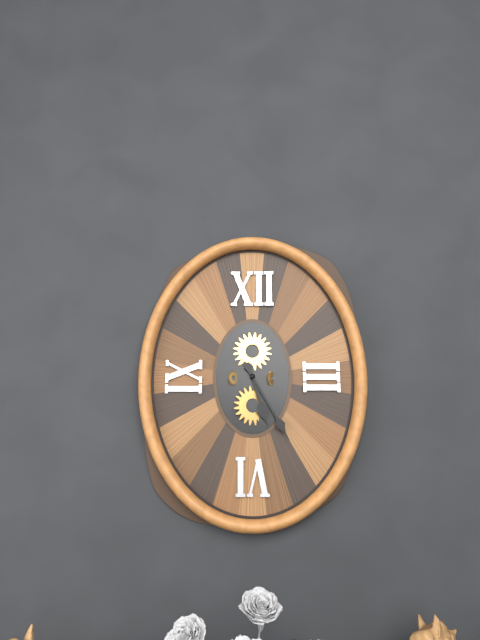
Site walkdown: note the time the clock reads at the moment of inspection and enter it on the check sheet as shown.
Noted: 5:25
